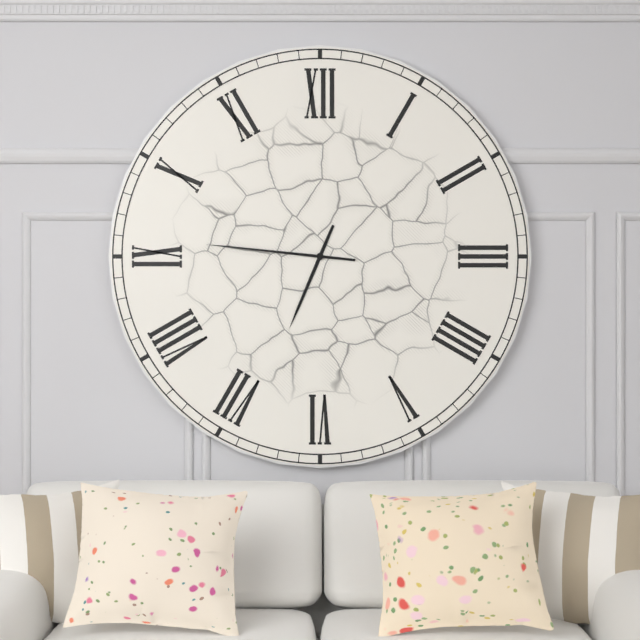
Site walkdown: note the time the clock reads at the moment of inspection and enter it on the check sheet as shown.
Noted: 6:46
